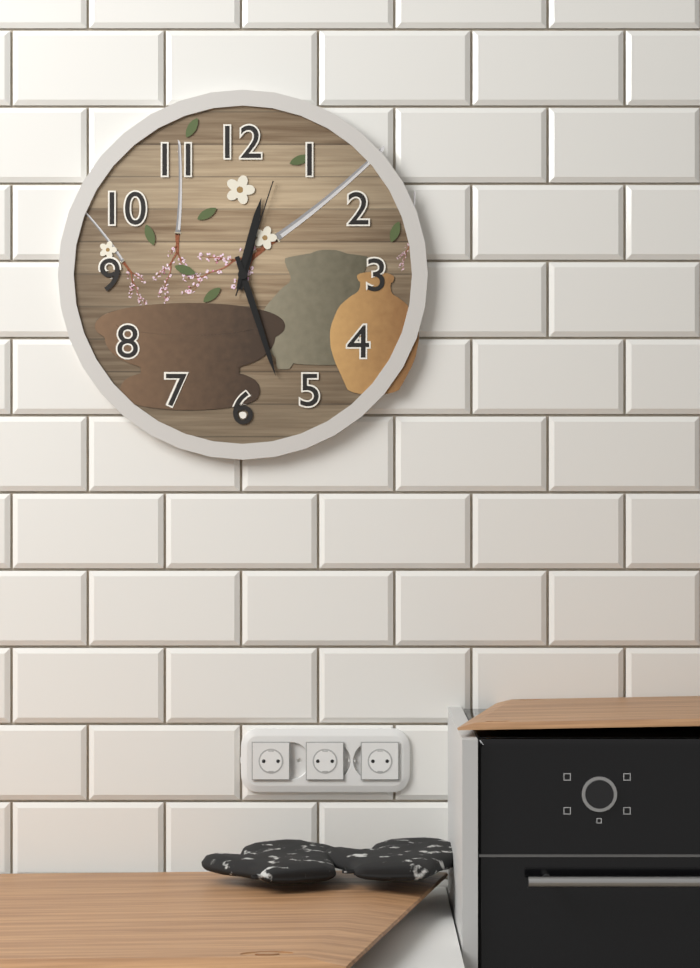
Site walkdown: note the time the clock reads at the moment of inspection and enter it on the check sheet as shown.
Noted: 12:27:03
